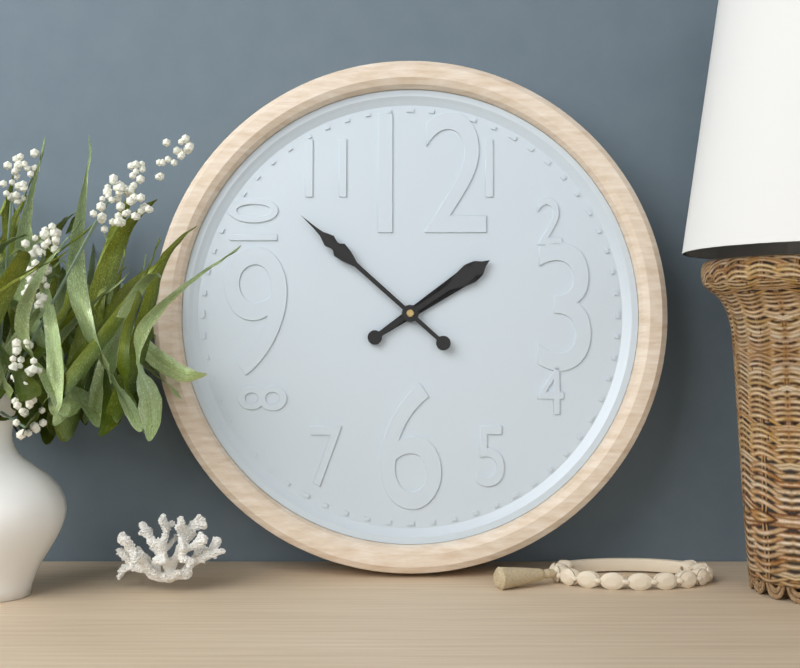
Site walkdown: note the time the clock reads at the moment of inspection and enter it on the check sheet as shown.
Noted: 1:52
